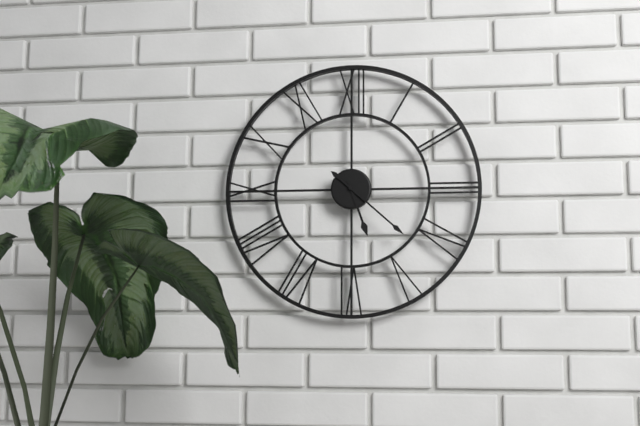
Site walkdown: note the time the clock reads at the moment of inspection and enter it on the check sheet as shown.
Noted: 5:22
